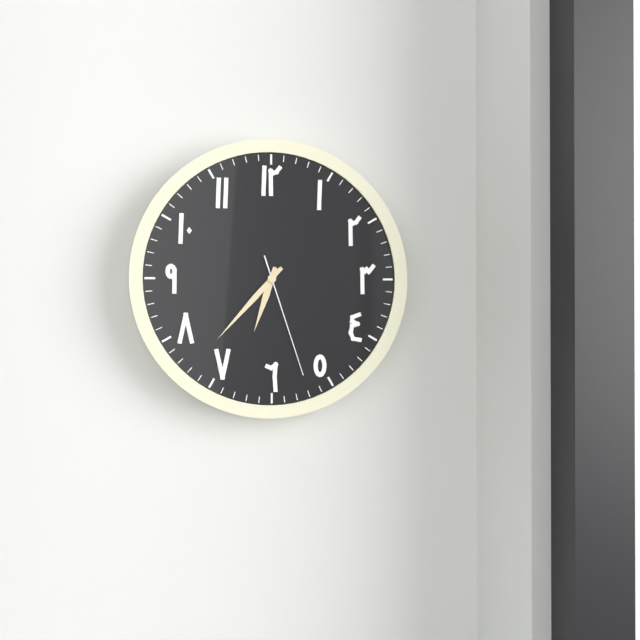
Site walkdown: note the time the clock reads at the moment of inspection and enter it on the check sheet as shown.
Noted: 6:37:27
